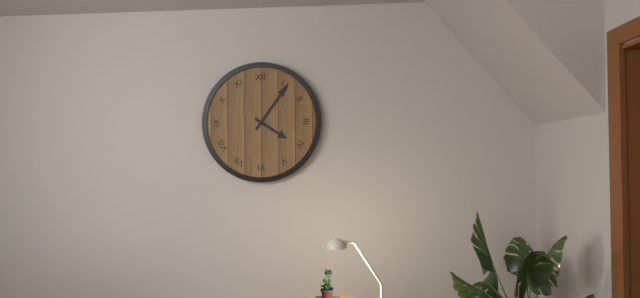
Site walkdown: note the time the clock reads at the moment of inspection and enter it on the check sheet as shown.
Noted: 4:06
